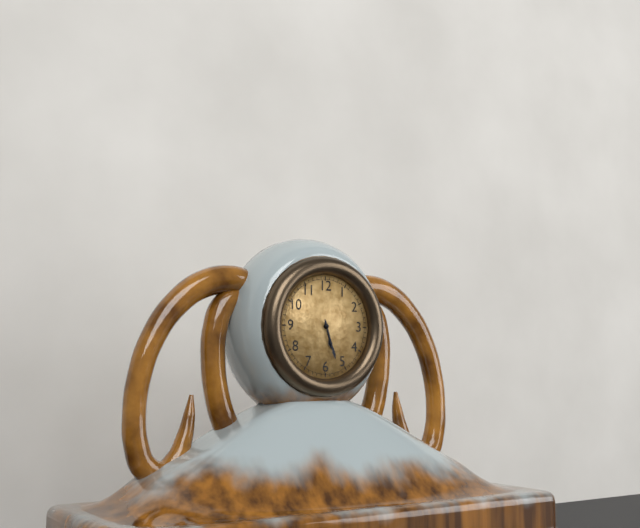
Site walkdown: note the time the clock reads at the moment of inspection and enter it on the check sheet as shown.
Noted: 5:27
